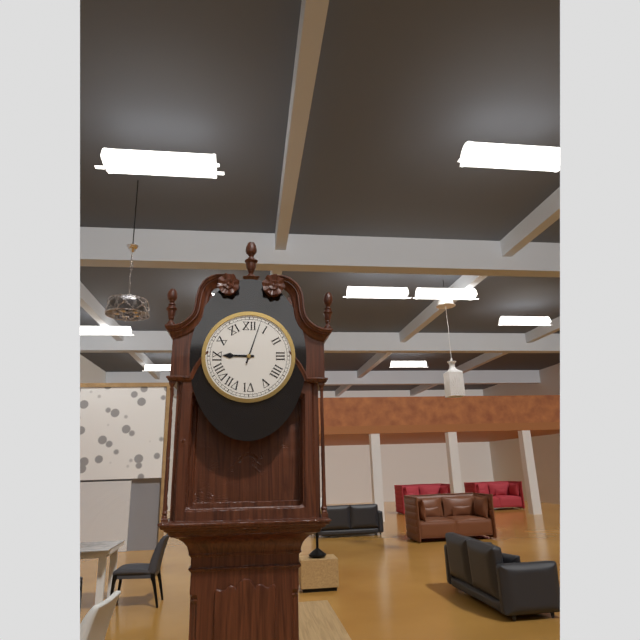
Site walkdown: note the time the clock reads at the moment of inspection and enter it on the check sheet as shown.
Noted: 9:03
